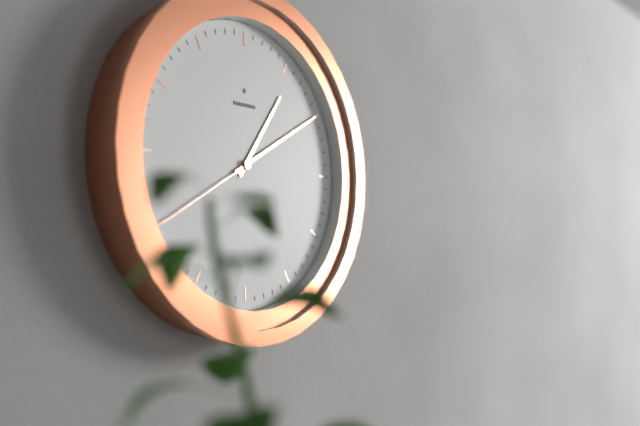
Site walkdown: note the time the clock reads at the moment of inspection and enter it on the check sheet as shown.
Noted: 1:10:40
